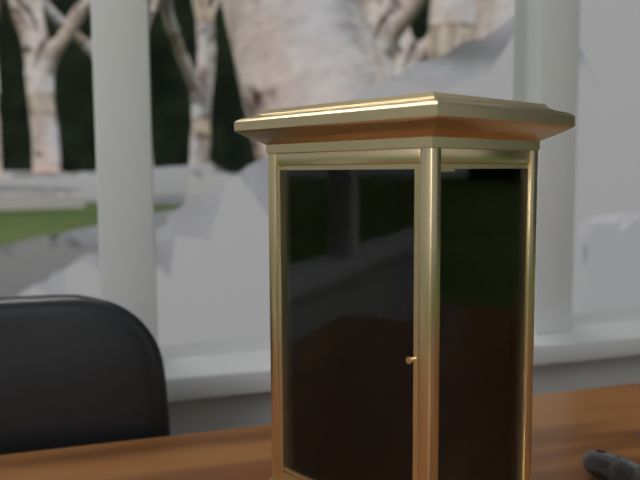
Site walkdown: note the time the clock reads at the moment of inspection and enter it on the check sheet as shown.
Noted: 7:00
